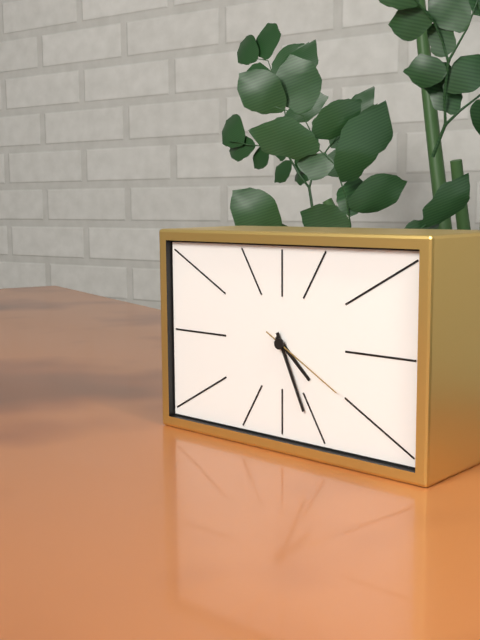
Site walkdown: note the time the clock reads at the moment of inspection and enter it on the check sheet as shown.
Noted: 4:26:20
